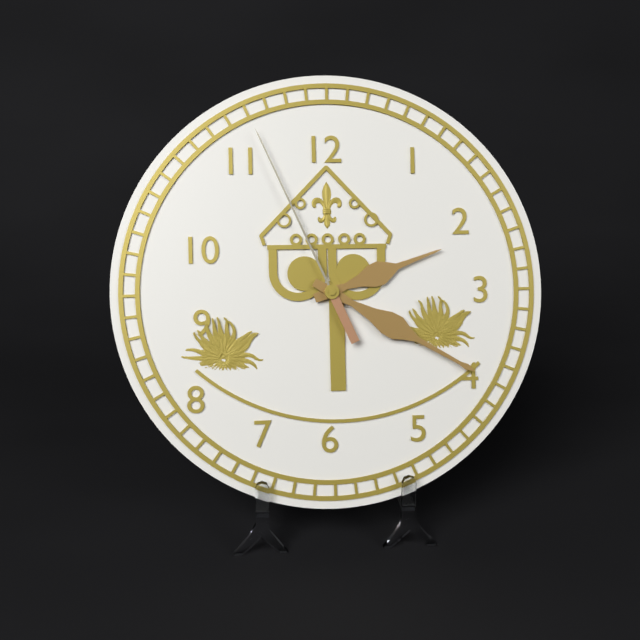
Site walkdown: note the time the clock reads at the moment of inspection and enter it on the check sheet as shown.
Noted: 2:20:56
